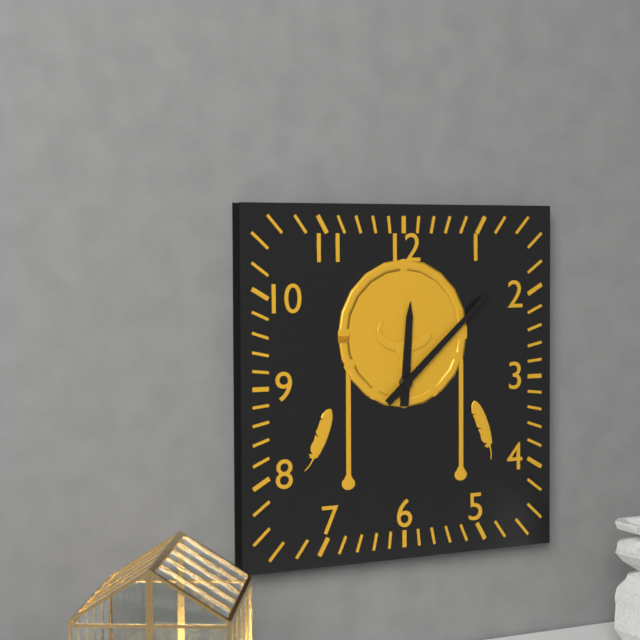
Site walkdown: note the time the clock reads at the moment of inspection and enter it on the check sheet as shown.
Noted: 12:08
